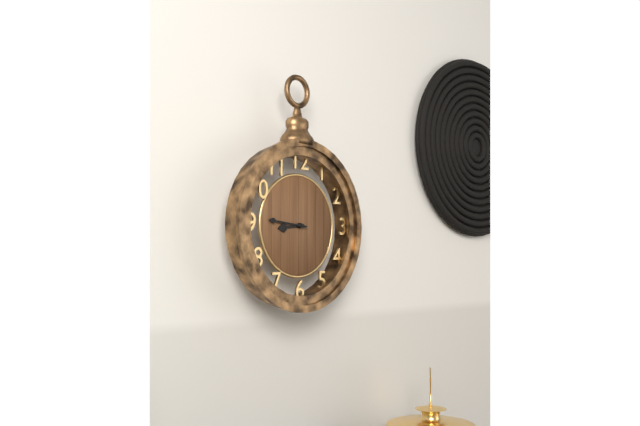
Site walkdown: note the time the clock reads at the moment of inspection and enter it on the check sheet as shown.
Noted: 8:46
